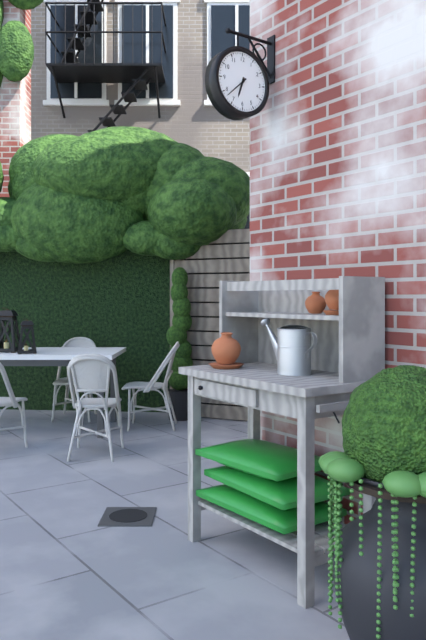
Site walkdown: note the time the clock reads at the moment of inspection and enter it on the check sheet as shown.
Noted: 6:38
